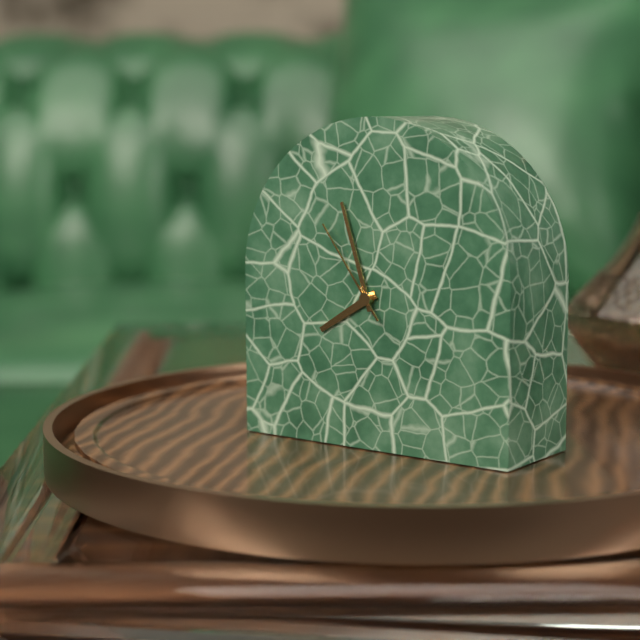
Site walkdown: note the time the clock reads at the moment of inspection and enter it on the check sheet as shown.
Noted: 7:57:54
